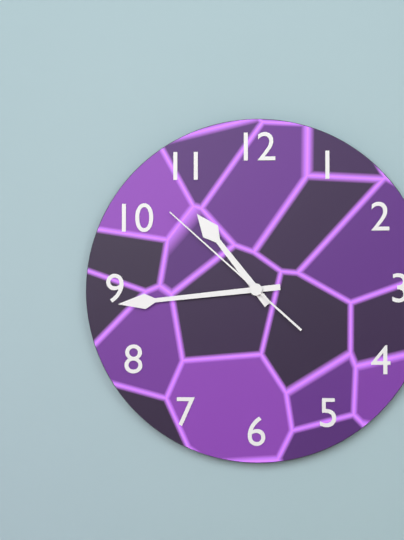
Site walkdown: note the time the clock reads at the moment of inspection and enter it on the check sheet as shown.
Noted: 10:44:52
